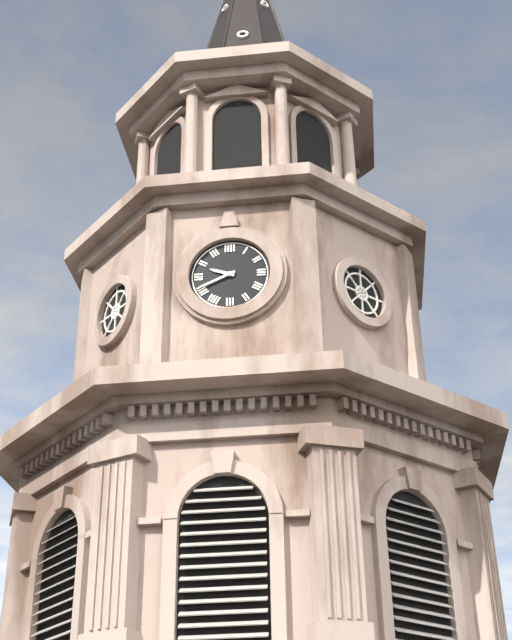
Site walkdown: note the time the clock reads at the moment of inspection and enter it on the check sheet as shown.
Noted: 9:41
